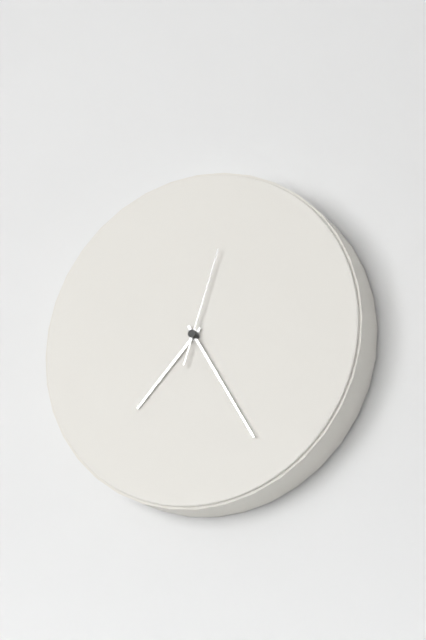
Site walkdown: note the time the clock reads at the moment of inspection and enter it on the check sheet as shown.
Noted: 7:25:03
